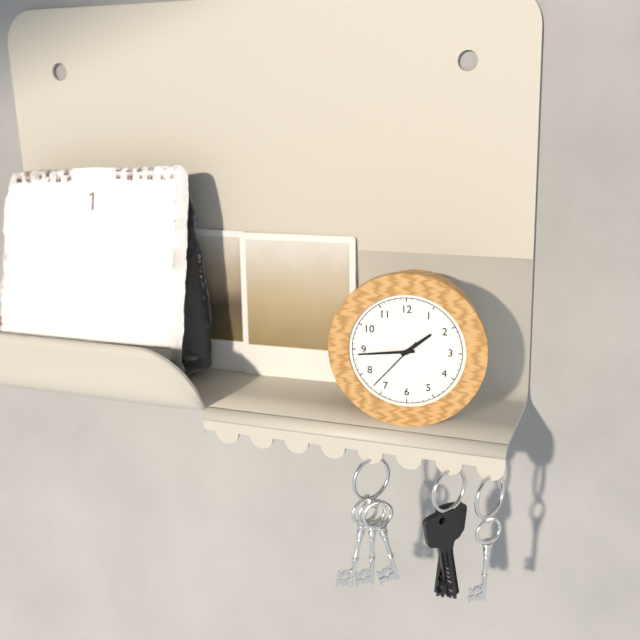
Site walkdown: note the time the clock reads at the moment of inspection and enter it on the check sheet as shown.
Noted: 1:44:37
